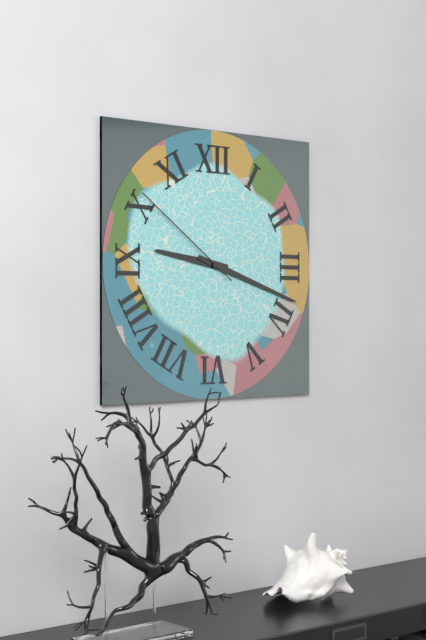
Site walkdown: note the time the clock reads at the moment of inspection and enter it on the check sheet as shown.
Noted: 9:18:51
